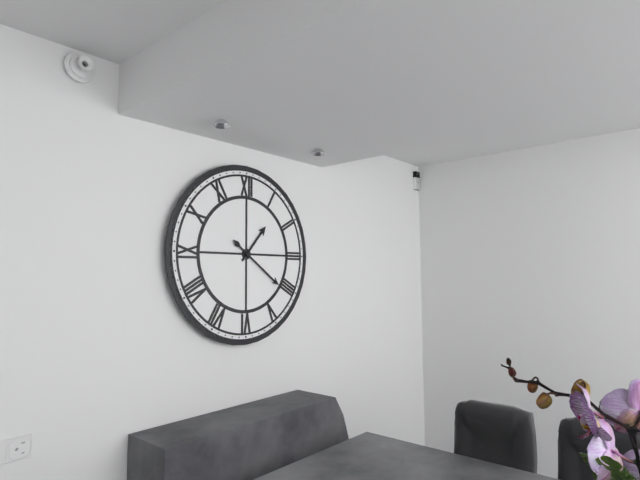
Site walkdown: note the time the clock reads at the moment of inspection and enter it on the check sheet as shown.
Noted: 1:21
